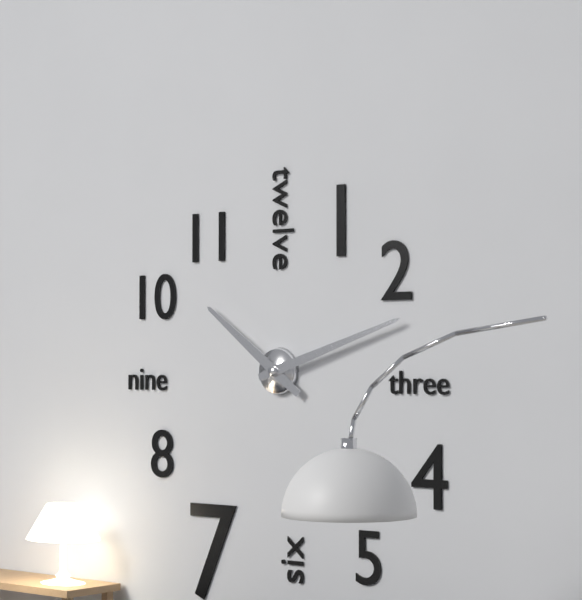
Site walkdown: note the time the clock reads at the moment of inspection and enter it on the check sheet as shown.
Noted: 10:12
